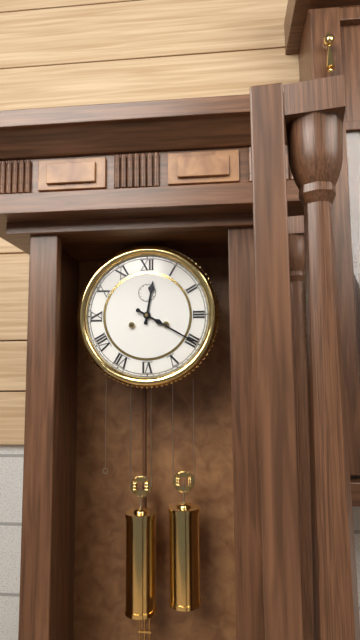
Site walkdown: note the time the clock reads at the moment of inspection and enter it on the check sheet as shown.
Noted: 12:20
